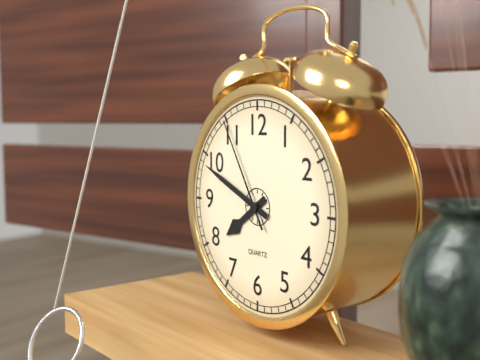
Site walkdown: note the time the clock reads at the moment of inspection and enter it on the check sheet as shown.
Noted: 7:49:55
